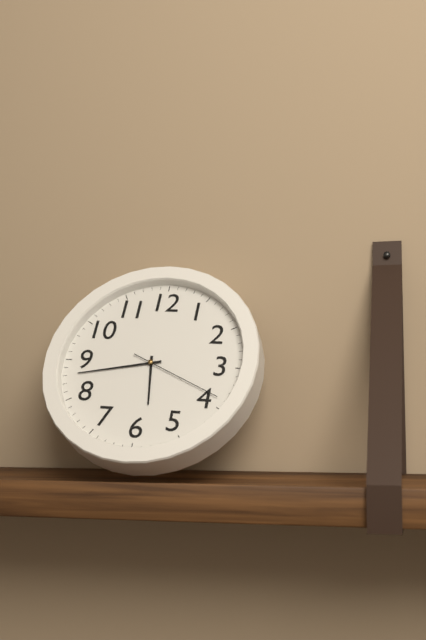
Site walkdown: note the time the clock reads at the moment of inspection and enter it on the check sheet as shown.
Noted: 5:43:19
